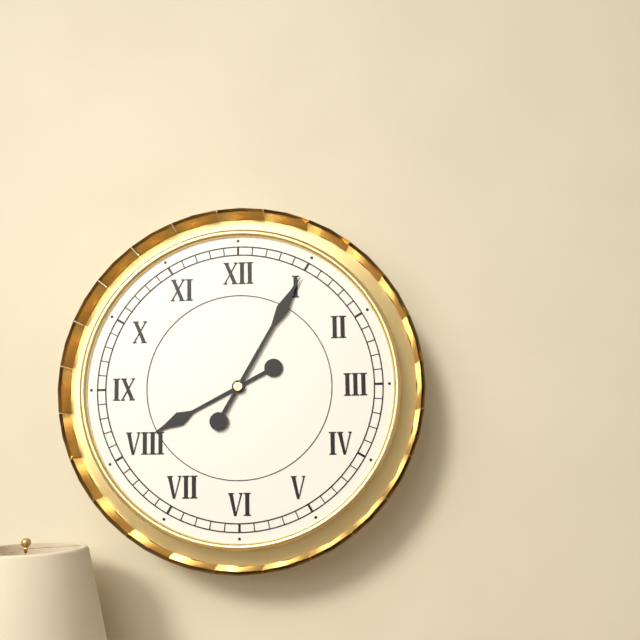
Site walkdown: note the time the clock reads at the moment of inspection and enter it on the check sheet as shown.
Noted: 8:05
